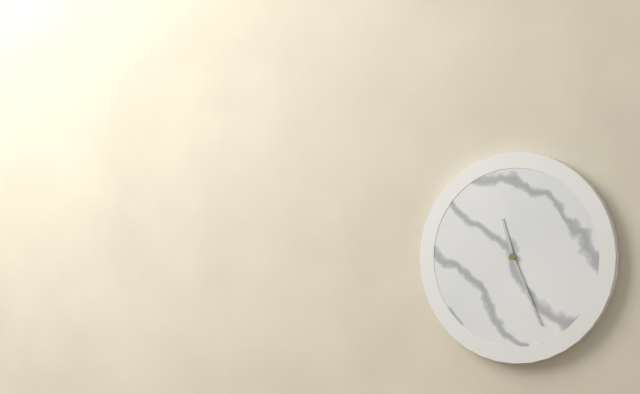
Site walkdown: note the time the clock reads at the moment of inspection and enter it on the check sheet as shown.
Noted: 11:26
